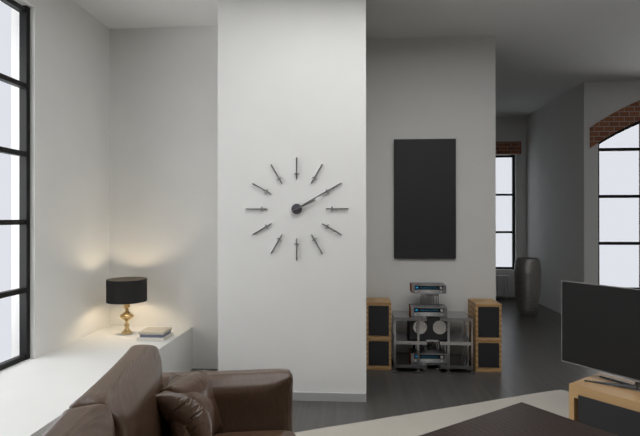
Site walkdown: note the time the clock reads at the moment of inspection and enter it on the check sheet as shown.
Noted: 2:10
